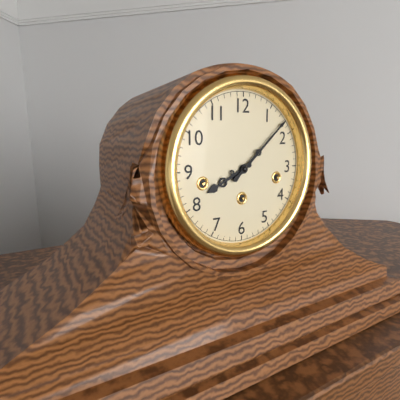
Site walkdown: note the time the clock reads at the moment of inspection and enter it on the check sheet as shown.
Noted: 8:08
